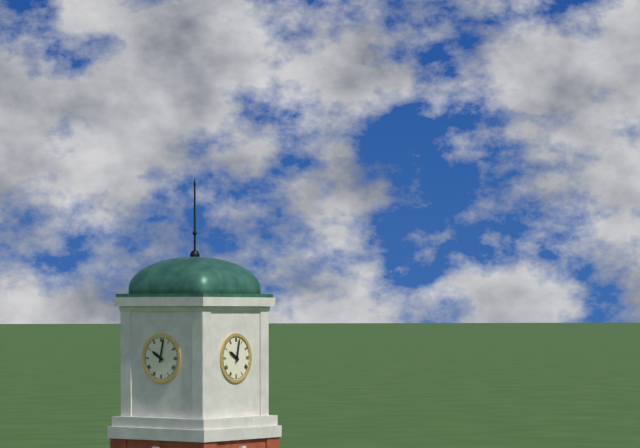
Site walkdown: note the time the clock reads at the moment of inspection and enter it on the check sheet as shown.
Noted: 10:02
